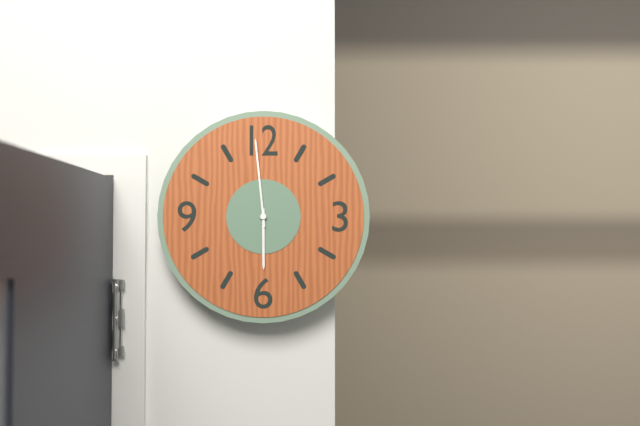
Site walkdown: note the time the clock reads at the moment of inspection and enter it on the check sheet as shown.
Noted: 5:59
